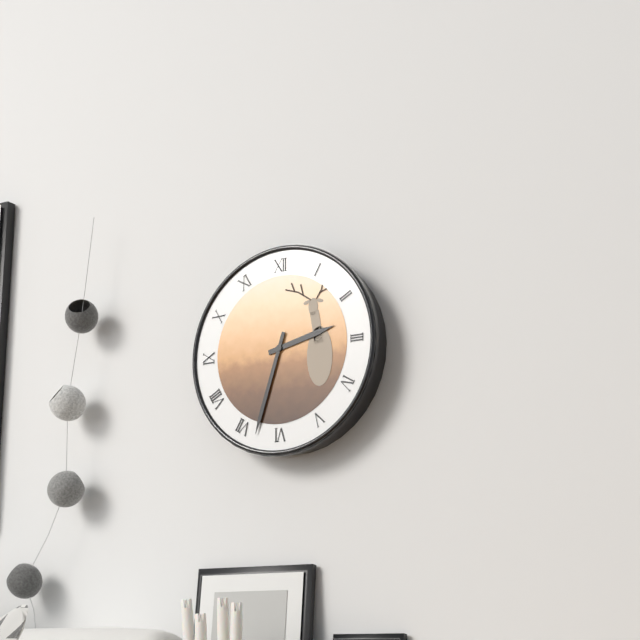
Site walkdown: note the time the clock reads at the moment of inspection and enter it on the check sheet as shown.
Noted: 2:33
